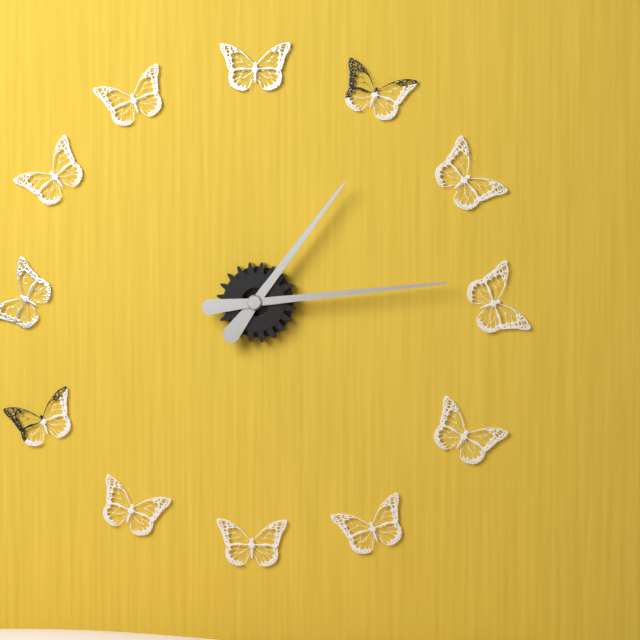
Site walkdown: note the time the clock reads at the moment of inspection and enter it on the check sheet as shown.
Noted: 1:14
